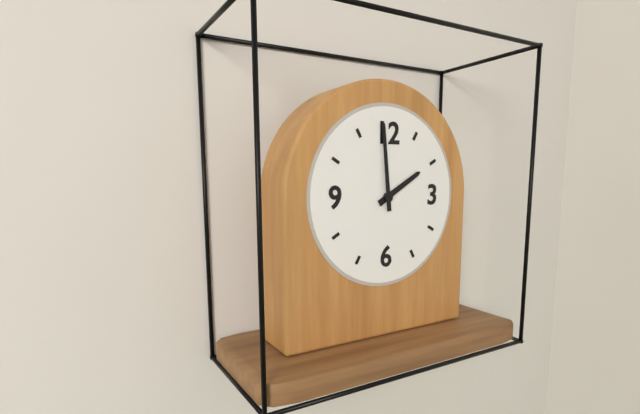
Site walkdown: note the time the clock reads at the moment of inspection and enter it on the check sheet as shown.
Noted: 1:59
